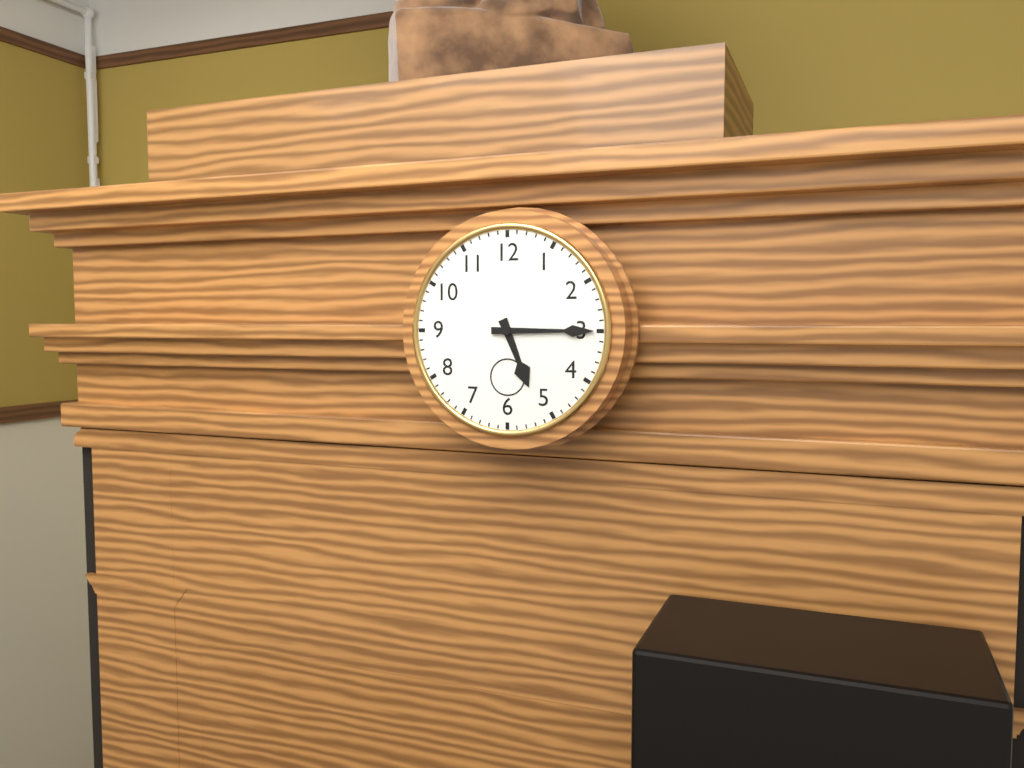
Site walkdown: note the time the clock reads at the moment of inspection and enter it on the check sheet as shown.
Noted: 5:15
